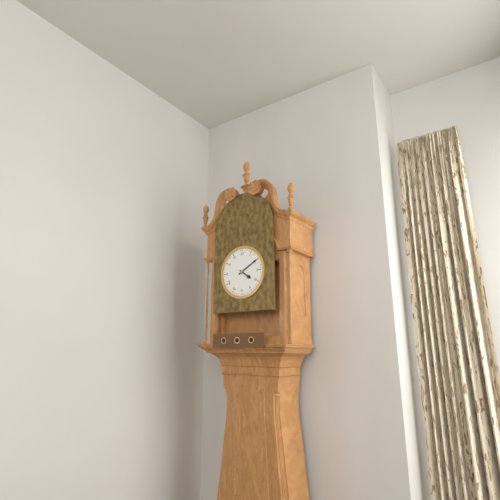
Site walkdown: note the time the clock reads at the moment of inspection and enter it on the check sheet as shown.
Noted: 4:10
